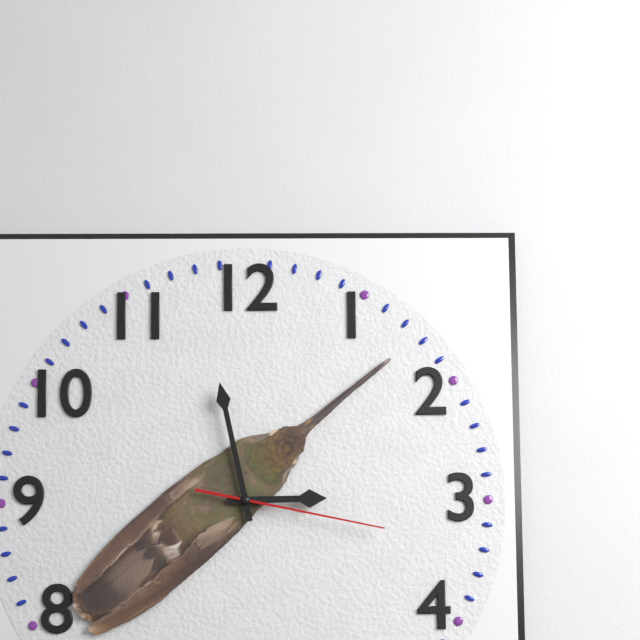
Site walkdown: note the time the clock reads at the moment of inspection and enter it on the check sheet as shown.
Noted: 2:58:17
